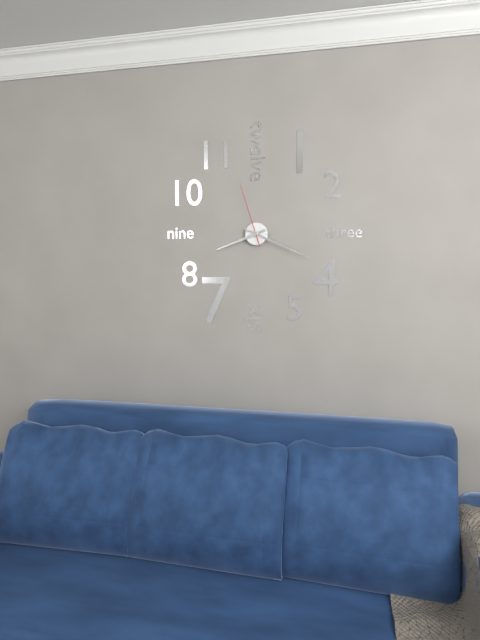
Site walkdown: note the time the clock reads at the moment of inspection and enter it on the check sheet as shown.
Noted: 8:19:57
